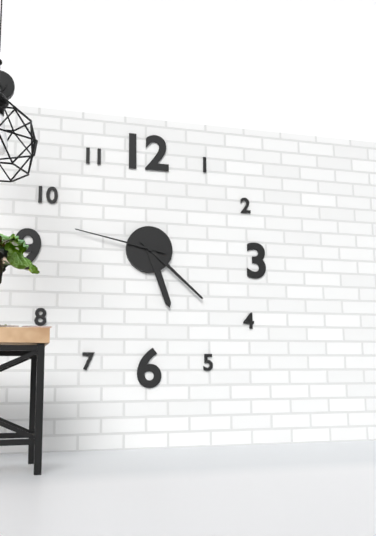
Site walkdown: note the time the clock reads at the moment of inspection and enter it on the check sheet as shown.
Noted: 5:22:47
